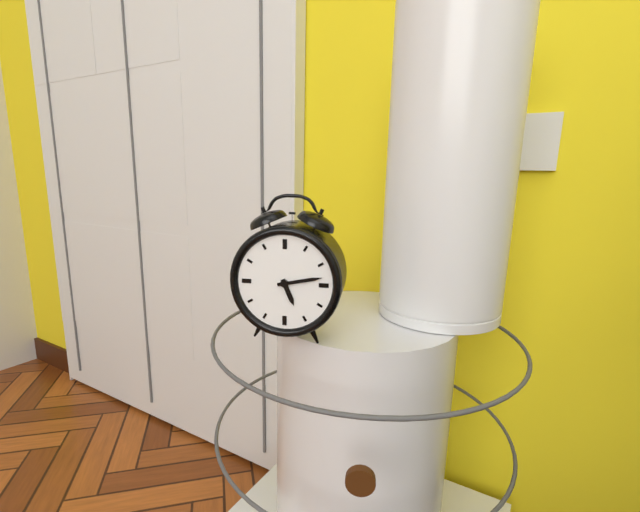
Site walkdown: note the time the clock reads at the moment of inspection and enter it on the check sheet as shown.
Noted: 5:13
